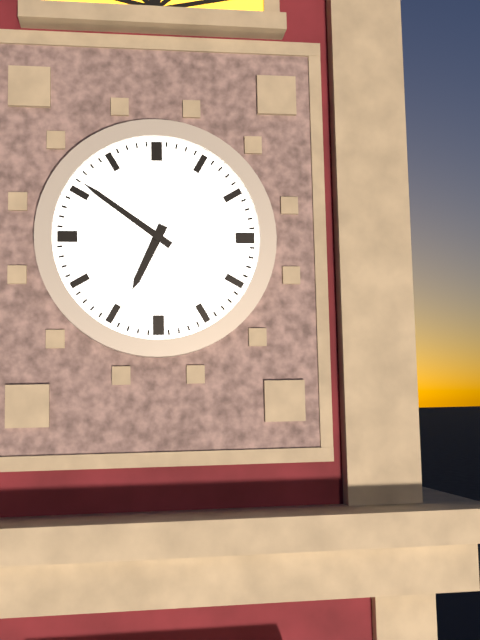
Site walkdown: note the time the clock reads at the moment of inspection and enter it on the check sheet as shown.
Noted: 6:51
